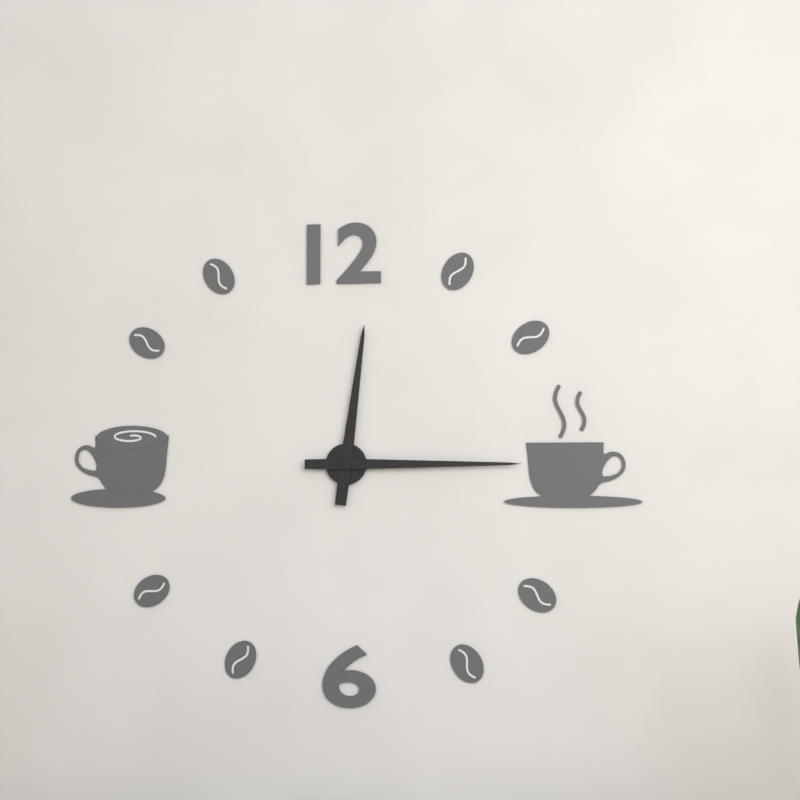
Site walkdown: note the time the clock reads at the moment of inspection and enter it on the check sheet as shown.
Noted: 12:15
